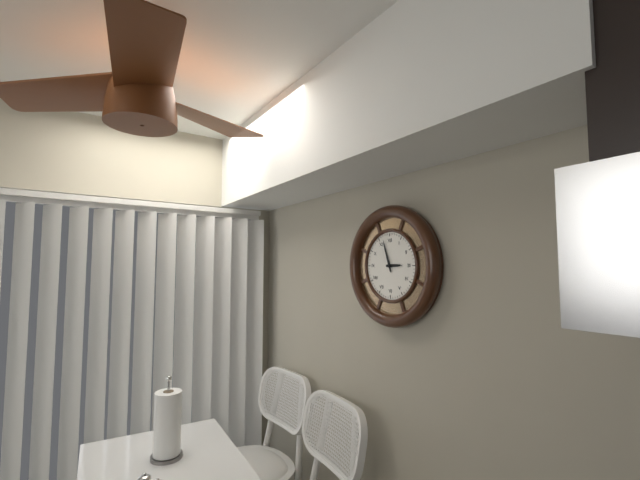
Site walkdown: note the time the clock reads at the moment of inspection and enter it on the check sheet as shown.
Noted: 2:57
